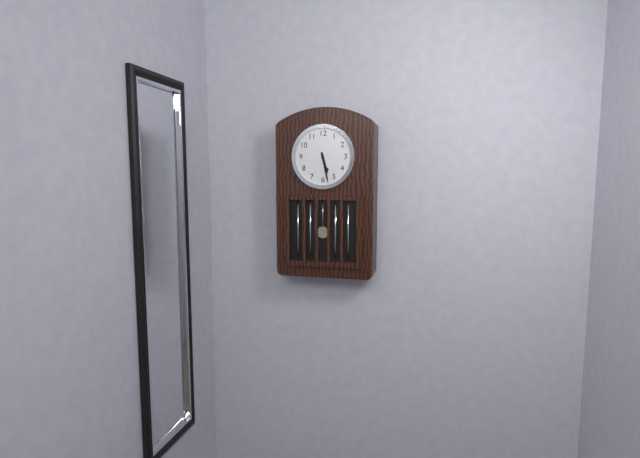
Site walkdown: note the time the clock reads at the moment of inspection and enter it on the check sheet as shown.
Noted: 5:28
